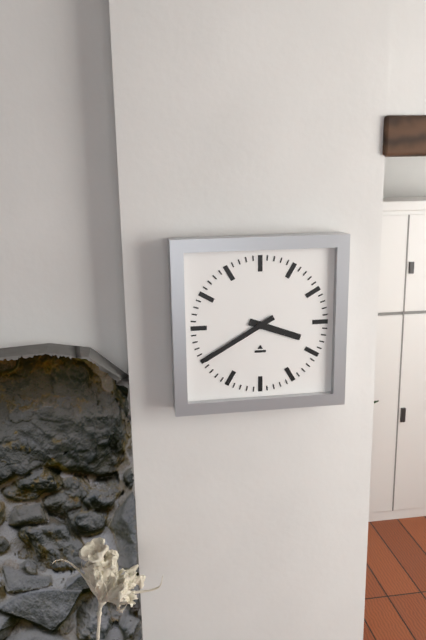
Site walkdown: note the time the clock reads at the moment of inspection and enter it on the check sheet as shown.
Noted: 3:40
